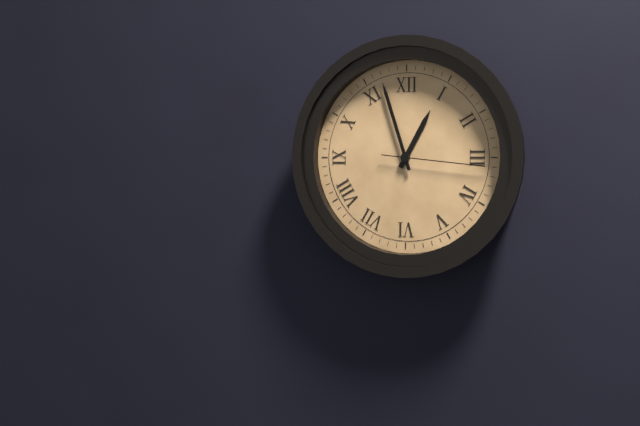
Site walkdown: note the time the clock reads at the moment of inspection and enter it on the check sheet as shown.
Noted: 12:57:16
